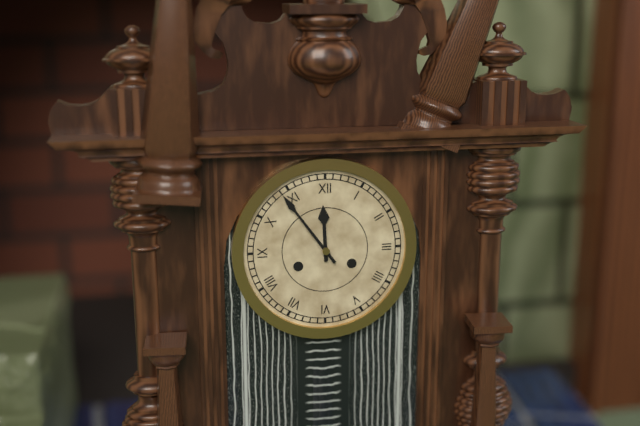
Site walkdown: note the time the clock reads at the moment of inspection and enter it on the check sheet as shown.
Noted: 11:54
